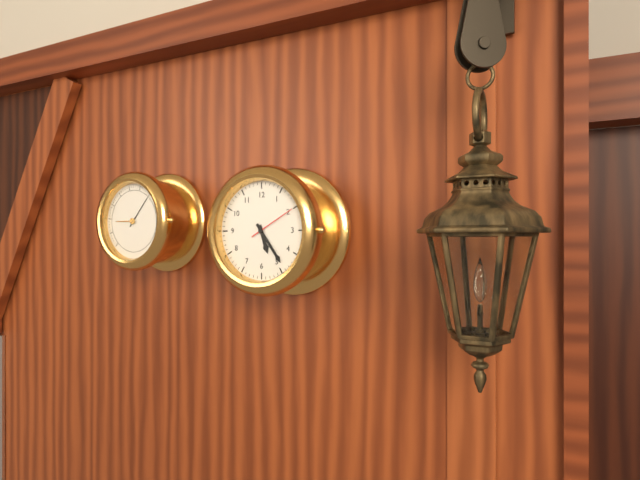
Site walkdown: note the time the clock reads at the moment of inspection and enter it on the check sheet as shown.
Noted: 5:24
